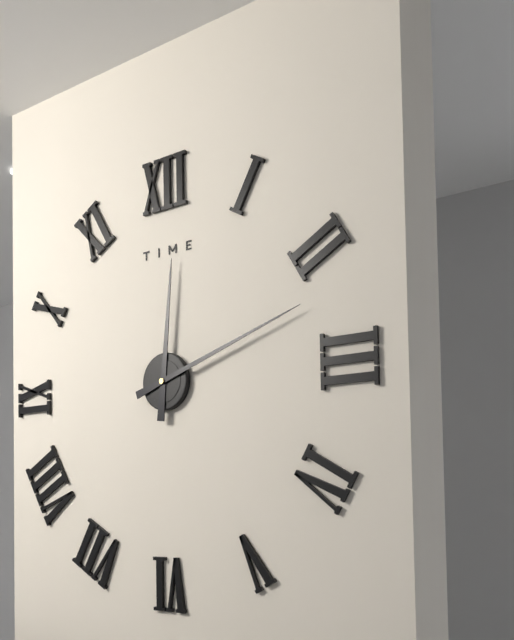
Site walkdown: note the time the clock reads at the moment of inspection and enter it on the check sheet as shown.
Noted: 12:12
